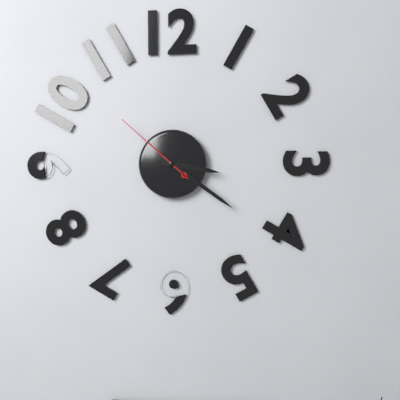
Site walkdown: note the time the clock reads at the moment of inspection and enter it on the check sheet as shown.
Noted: 3:21:52
